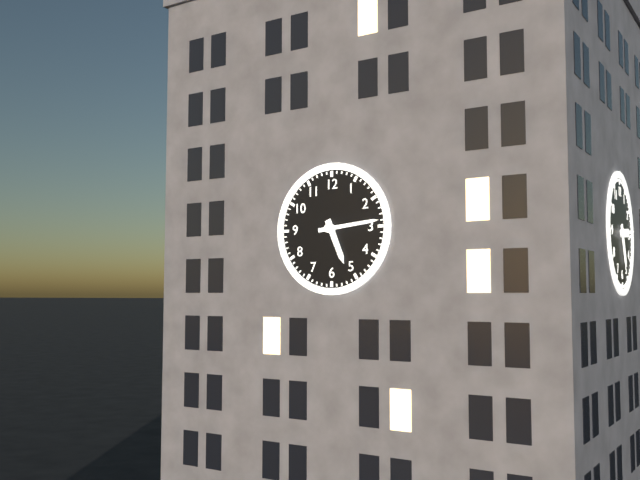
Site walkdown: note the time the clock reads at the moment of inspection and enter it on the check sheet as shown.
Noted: 5:14
